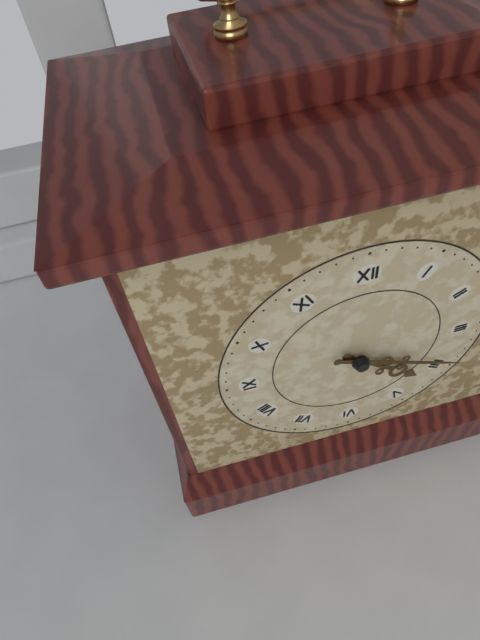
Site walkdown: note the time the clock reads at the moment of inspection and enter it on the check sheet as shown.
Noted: 4:19
